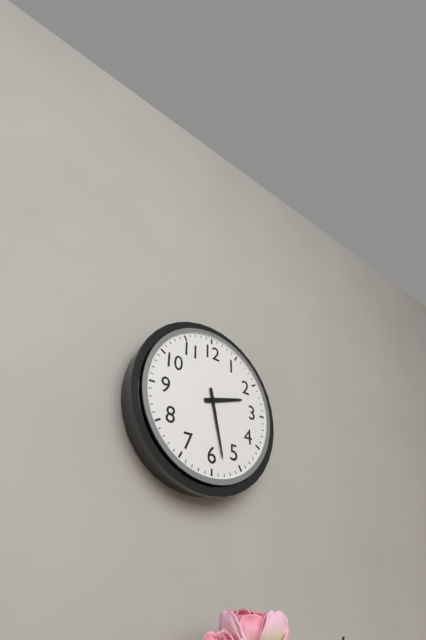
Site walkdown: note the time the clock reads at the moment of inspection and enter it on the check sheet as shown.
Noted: 2:28
